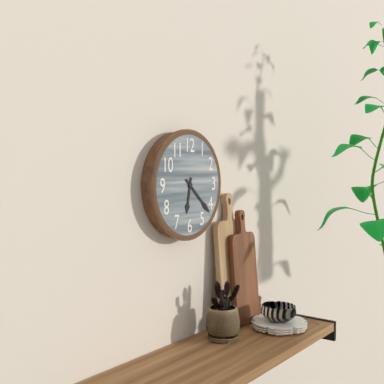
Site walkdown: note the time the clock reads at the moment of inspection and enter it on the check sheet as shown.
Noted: 6:22
